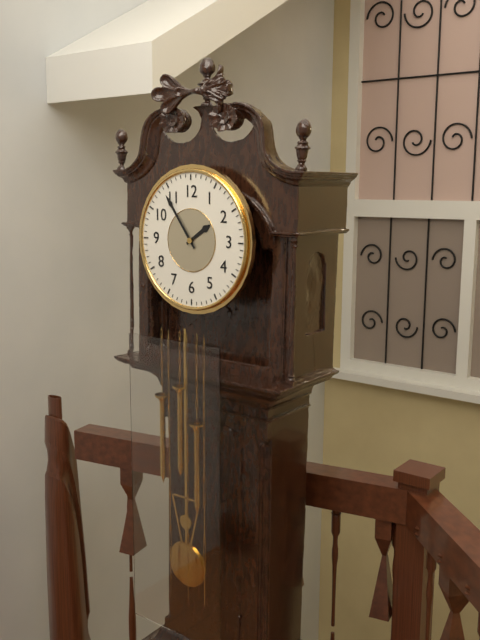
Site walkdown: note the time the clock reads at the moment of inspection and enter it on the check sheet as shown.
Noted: 1:54
